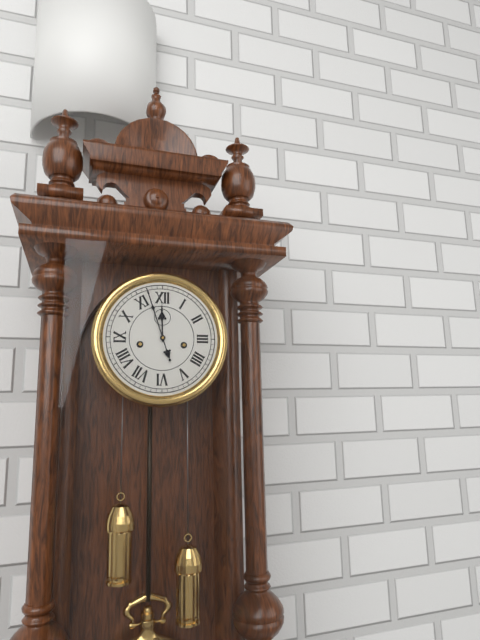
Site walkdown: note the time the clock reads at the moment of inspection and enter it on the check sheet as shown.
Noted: 11:57
